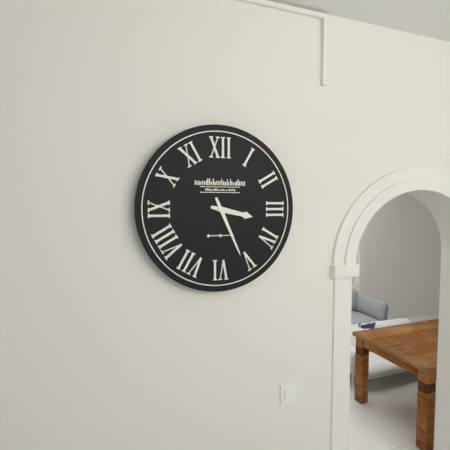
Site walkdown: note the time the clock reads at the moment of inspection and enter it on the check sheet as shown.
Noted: 3:26
